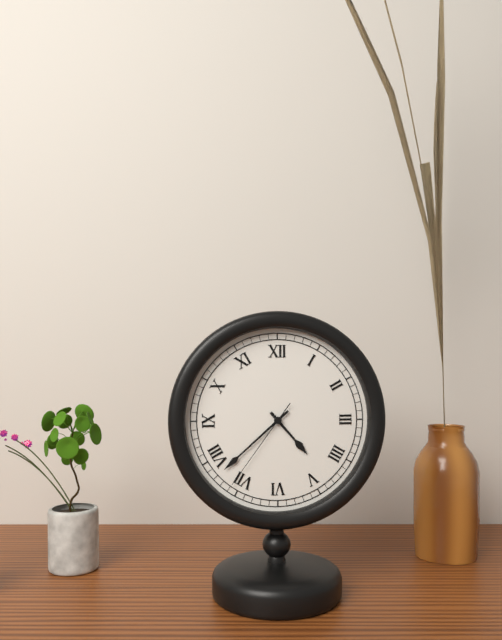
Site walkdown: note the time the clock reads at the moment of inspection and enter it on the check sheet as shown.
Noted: 4:38:36
